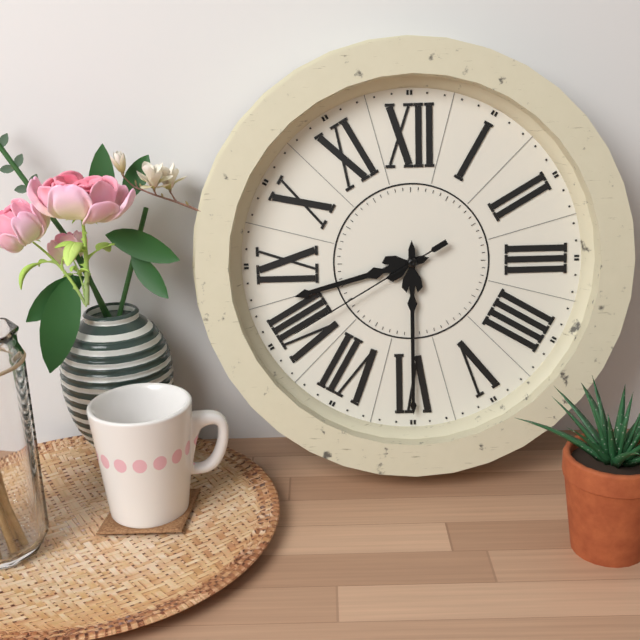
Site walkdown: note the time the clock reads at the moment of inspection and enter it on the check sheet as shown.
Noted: 8:30:40
